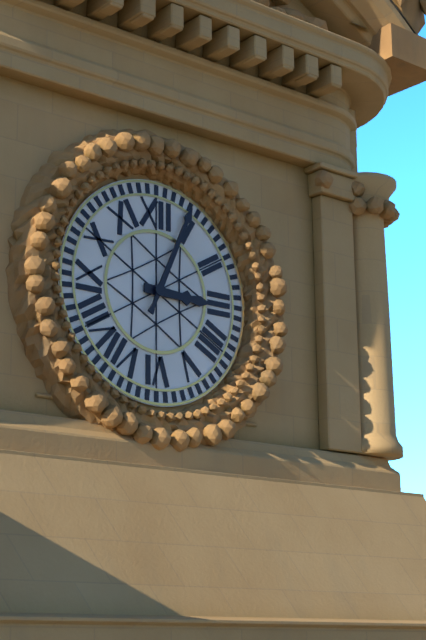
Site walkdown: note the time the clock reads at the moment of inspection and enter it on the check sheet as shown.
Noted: 3:04
